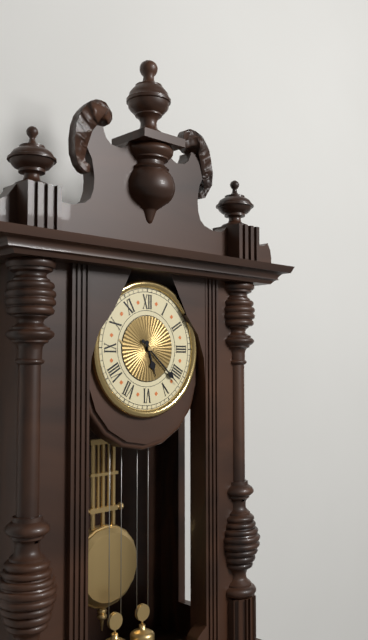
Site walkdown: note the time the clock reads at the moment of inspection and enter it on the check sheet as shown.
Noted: 5:22
